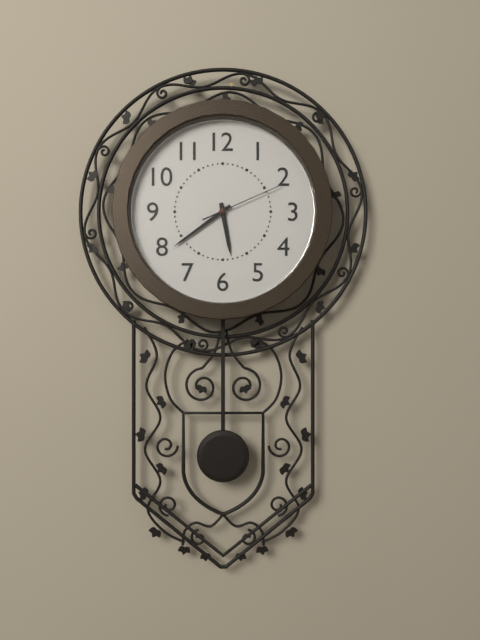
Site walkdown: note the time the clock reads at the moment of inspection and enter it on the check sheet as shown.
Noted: 5:39:11
